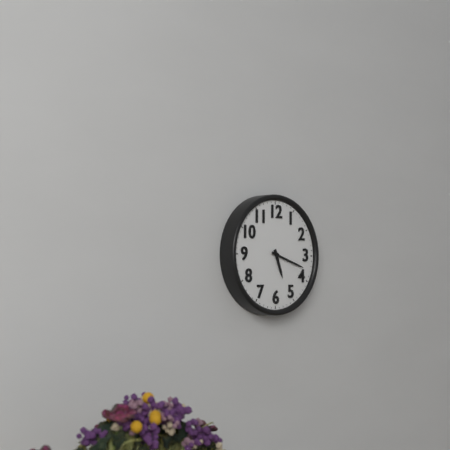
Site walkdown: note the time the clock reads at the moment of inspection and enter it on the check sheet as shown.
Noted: 5:18
